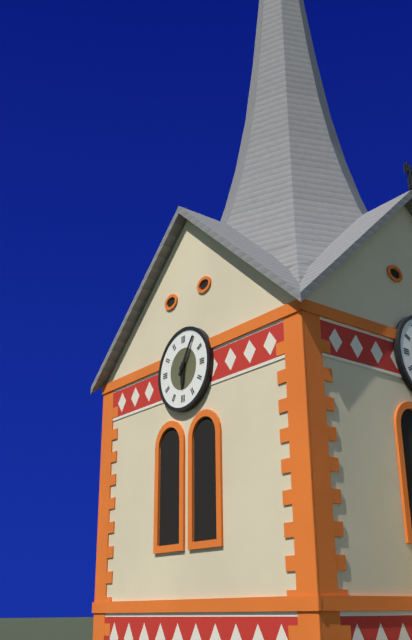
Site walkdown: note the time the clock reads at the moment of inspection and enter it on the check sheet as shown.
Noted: 6:05
